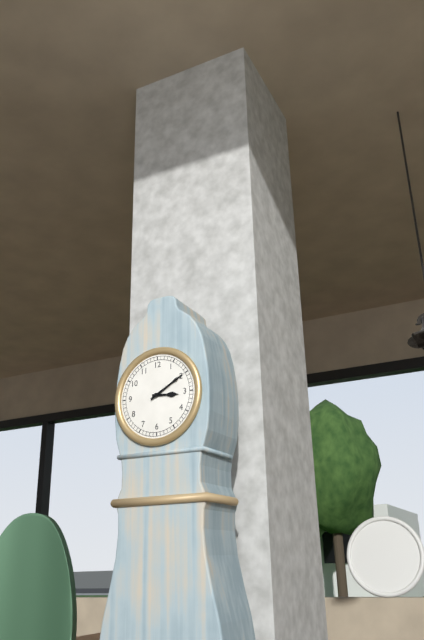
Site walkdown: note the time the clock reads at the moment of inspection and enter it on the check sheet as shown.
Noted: 3:10
